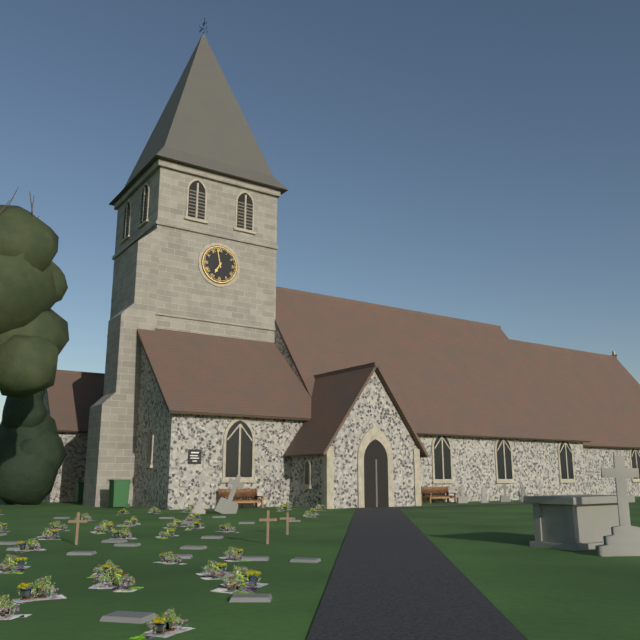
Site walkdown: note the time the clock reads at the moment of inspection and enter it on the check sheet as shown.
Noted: 6:58
